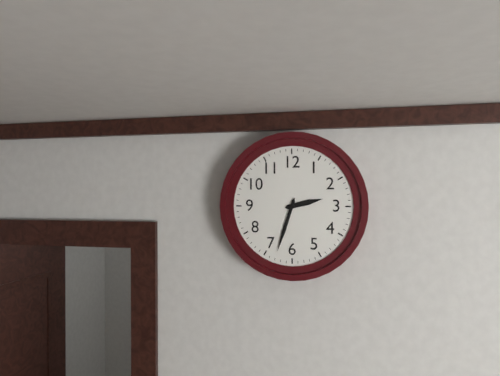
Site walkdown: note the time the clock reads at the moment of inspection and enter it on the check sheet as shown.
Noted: 2:33
